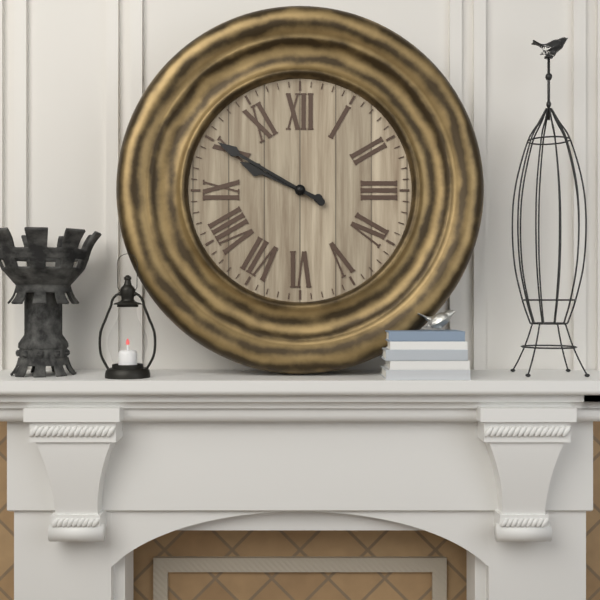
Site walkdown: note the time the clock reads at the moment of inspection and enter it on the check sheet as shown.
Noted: 9:50
